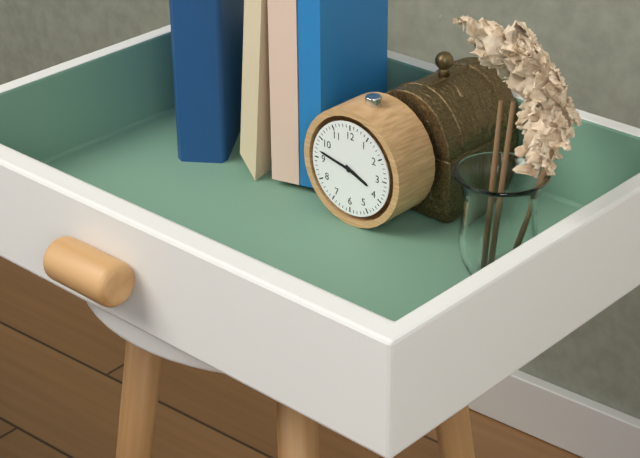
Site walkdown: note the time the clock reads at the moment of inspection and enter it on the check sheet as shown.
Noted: 3:47
